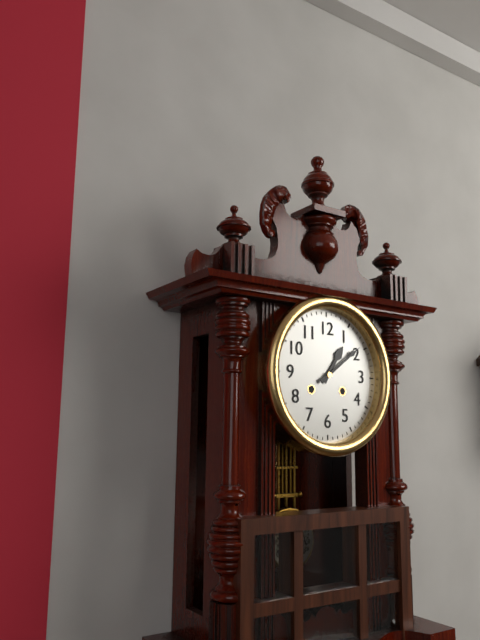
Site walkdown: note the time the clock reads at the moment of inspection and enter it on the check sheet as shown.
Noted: 1:09
